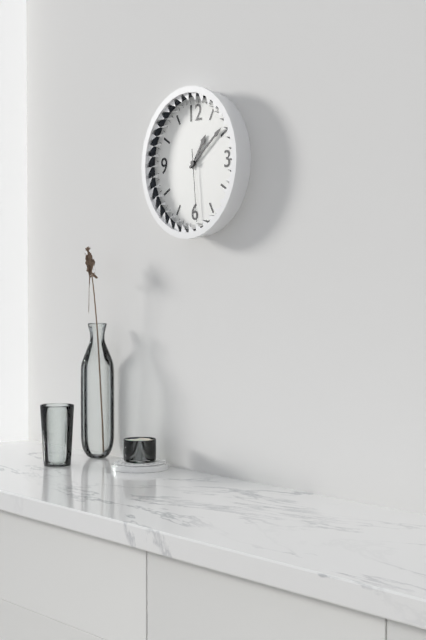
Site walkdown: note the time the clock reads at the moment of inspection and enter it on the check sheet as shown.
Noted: 1:09:29
